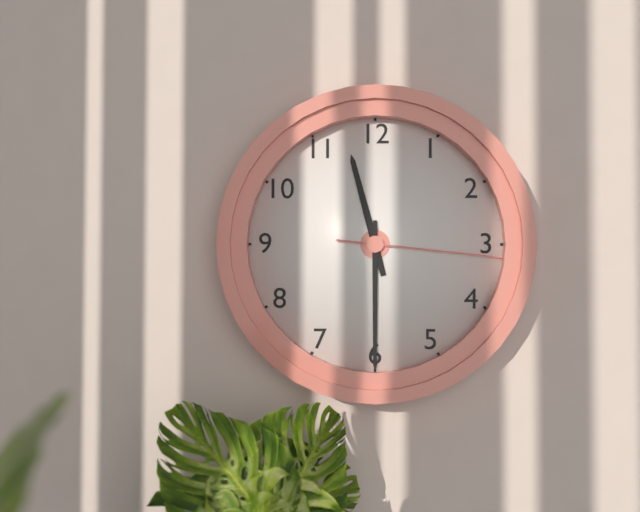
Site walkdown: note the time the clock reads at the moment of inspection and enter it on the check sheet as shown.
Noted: 11:30:16
